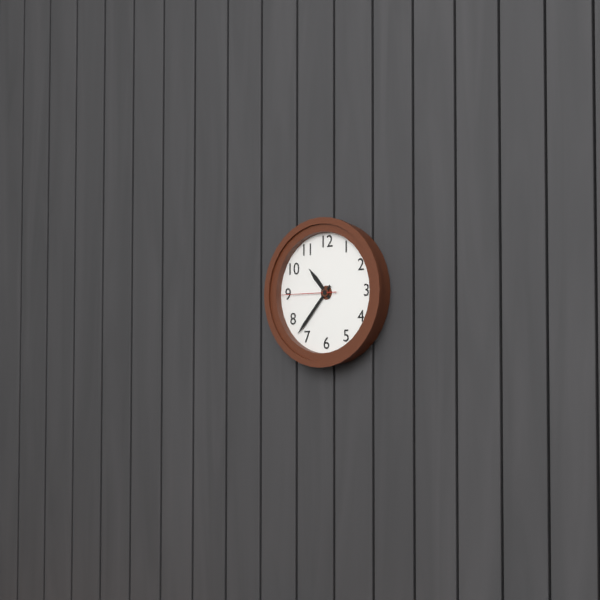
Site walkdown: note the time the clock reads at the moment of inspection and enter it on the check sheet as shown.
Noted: 10:37:45
